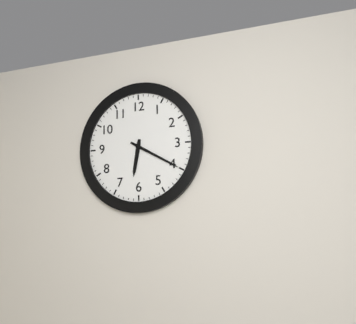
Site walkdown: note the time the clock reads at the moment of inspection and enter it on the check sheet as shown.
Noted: 6:20
